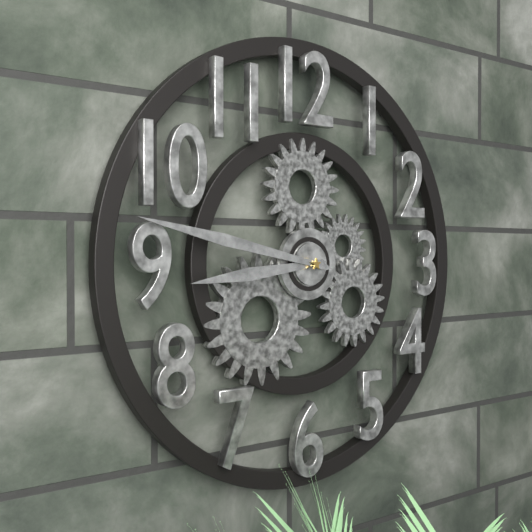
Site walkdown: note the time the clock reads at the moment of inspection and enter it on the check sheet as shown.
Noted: 8:47
